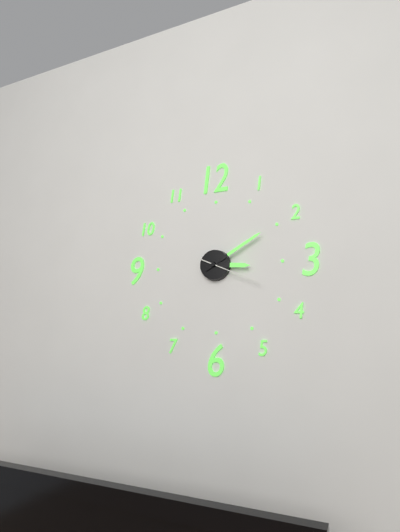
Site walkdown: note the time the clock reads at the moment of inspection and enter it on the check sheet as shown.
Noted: 3:10:19
